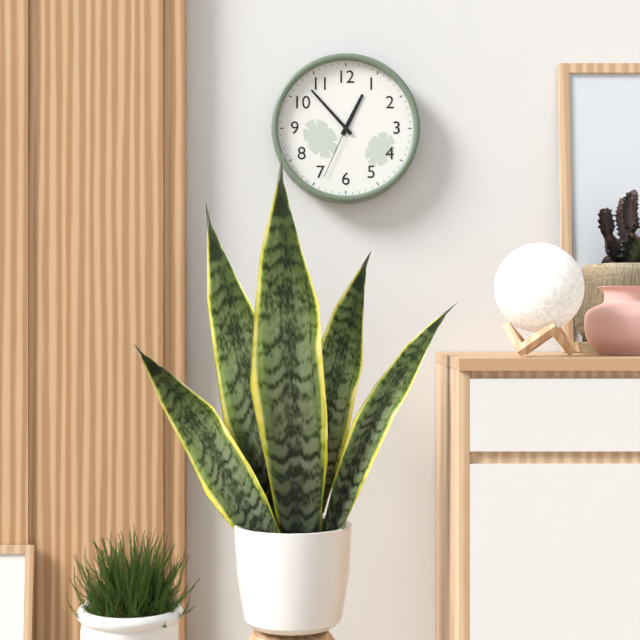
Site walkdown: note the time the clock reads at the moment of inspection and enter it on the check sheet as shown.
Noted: 12:53:34
